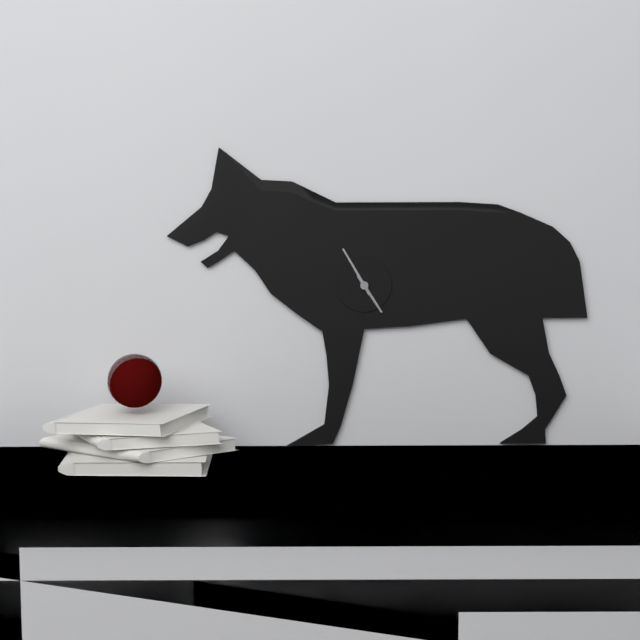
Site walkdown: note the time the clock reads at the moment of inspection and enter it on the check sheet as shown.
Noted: 4:55
